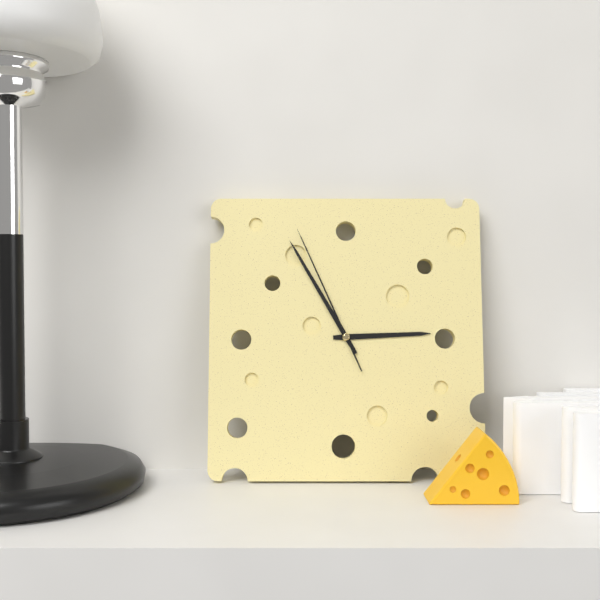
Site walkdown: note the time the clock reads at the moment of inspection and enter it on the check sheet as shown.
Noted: 2:55:56
